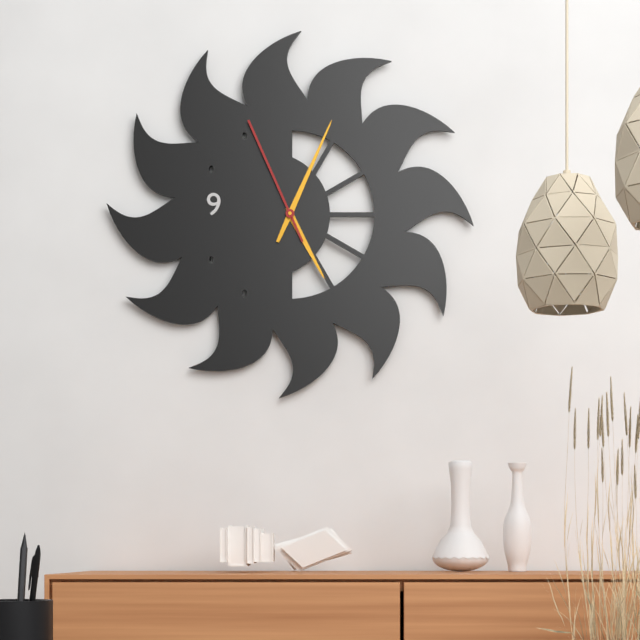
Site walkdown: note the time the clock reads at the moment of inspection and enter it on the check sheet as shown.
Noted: 5:04:56
